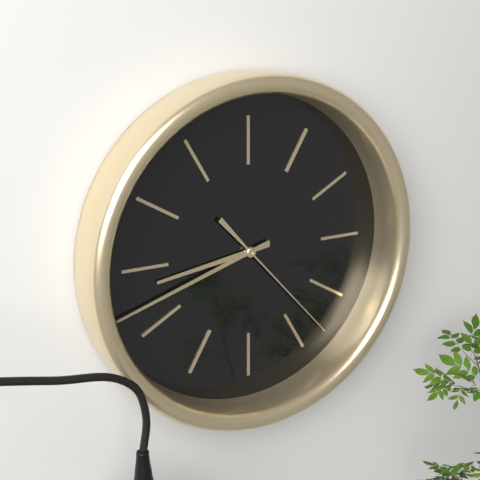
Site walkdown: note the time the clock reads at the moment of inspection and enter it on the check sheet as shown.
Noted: 8:42:23
